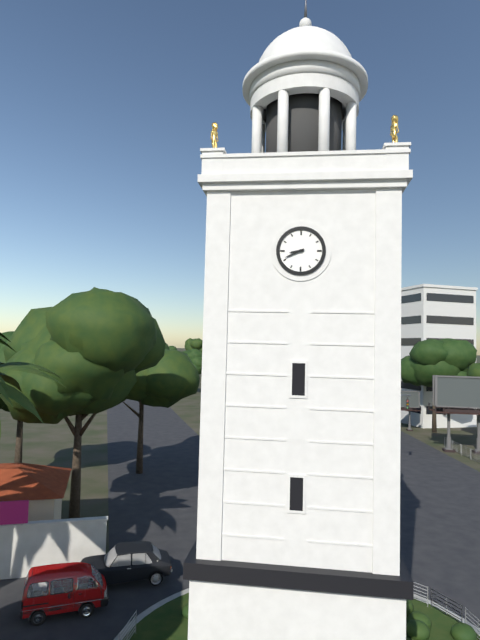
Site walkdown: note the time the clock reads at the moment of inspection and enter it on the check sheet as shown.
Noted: 8:41
